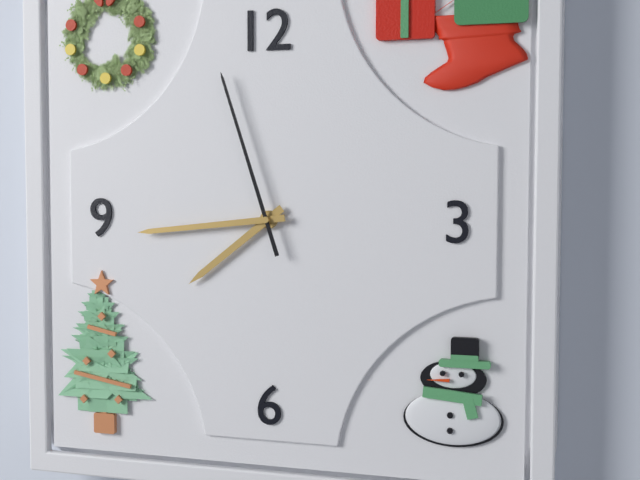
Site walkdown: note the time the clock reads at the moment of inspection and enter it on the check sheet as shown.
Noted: 7:44:57
